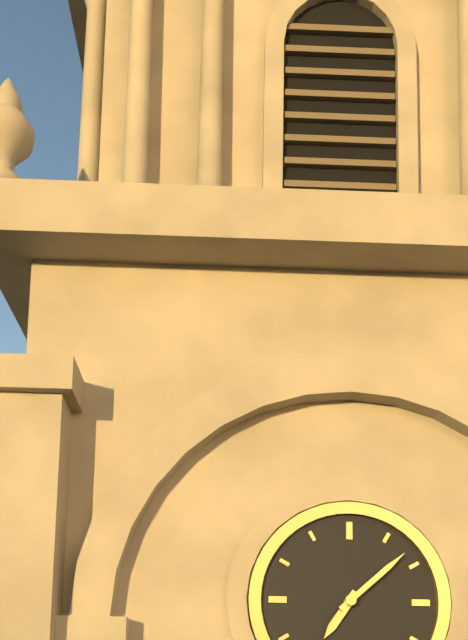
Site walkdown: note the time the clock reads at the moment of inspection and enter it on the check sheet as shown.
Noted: 7:08
